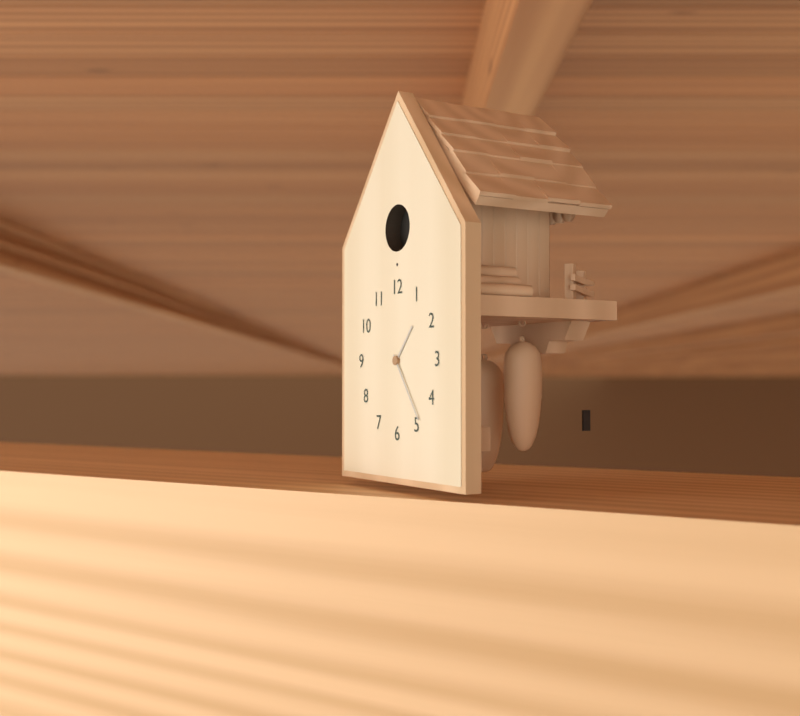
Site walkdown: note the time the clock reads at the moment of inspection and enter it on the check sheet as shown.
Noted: 1:24
